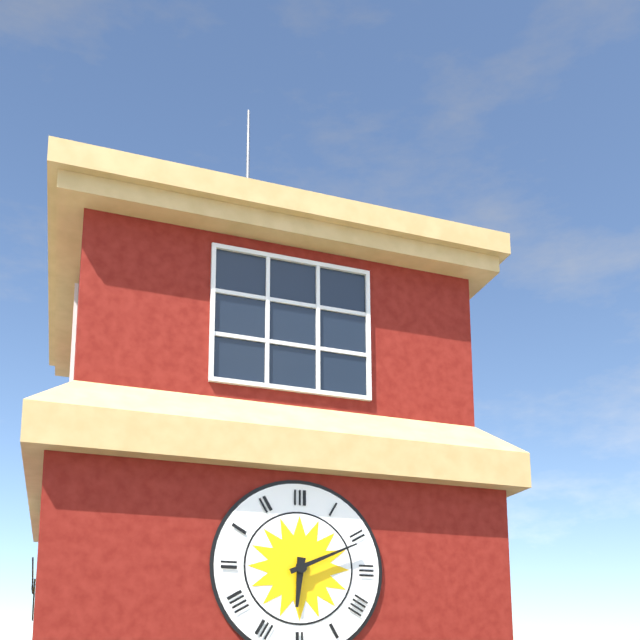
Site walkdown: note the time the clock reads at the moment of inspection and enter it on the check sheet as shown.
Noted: 6:11
